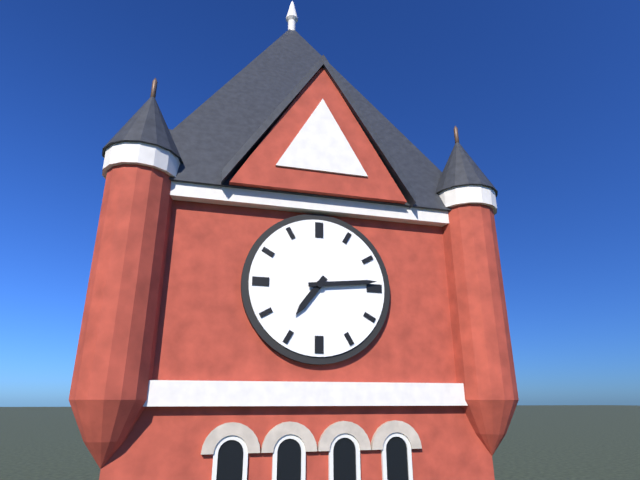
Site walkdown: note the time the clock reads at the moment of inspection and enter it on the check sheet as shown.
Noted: 7:14
